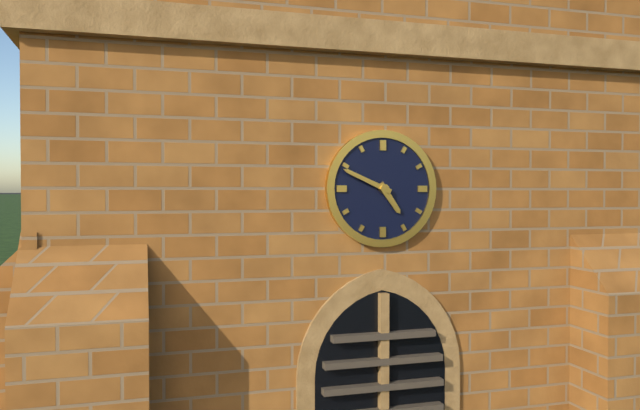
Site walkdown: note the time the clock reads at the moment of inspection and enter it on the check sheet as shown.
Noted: 4:49
